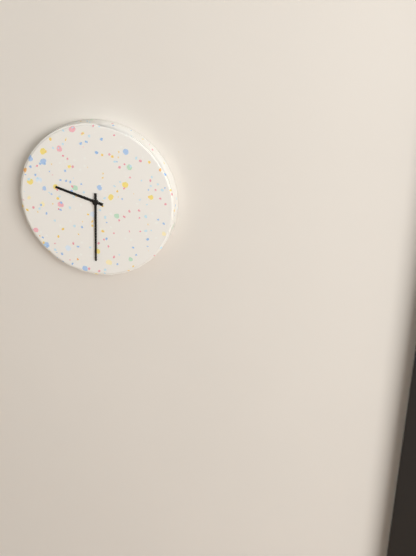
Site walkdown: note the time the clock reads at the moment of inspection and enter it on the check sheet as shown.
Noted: 9:30
